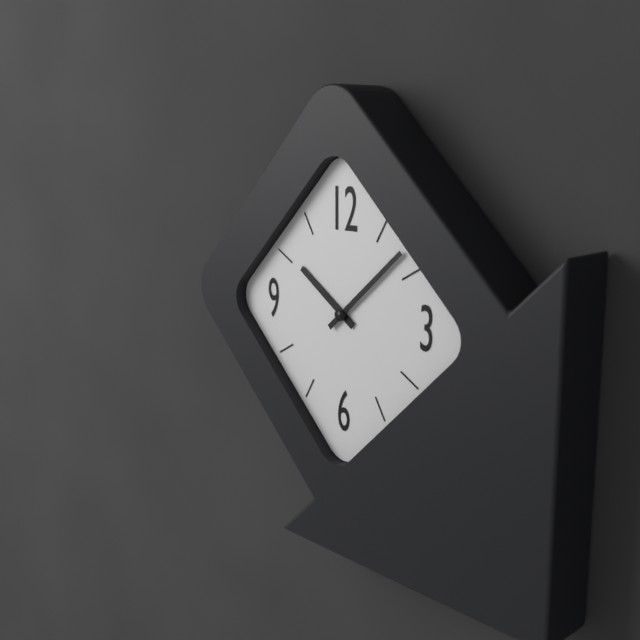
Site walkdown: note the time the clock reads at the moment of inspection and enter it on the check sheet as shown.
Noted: 10:08
